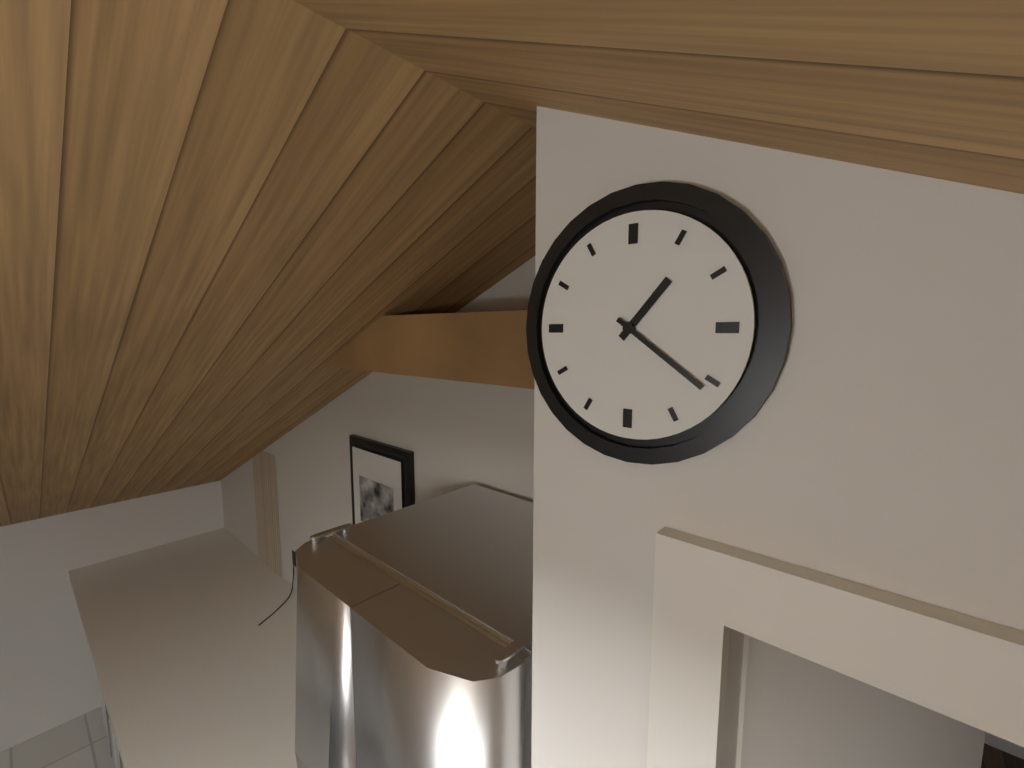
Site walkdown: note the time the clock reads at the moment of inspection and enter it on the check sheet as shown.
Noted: 1:21
